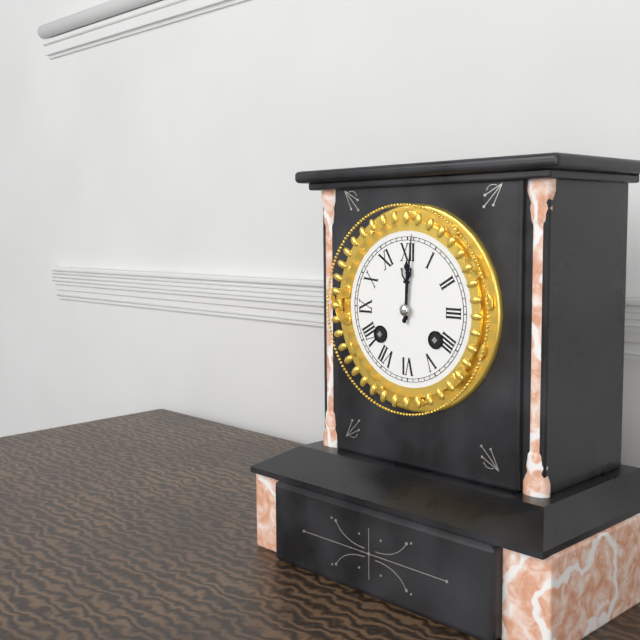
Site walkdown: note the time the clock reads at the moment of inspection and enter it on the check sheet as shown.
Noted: 12:01
